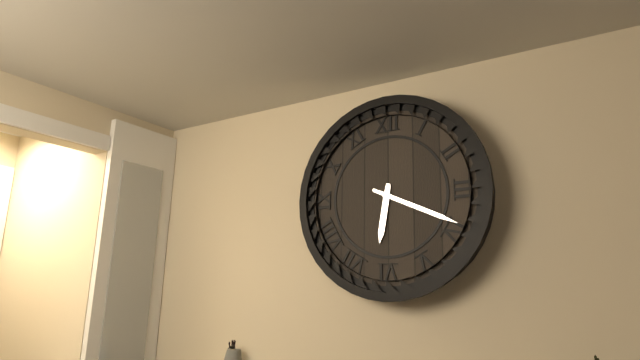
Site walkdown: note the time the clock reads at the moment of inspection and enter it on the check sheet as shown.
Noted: 6:19
